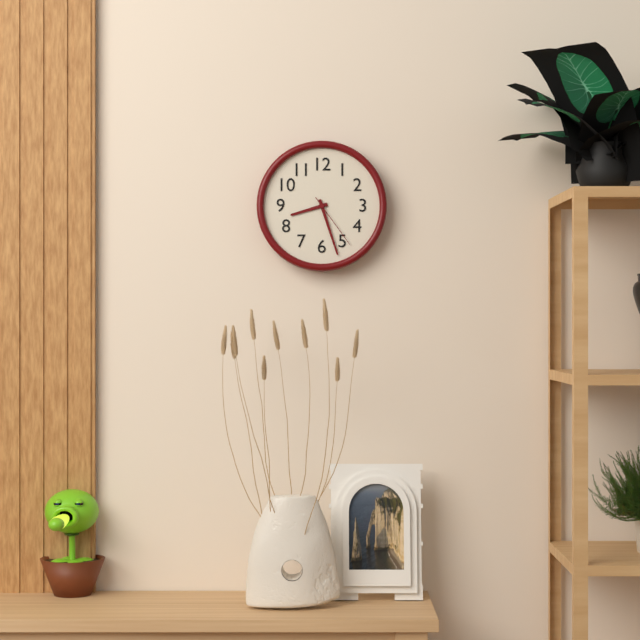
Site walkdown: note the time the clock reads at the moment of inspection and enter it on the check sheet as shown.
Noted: 8:27:24
